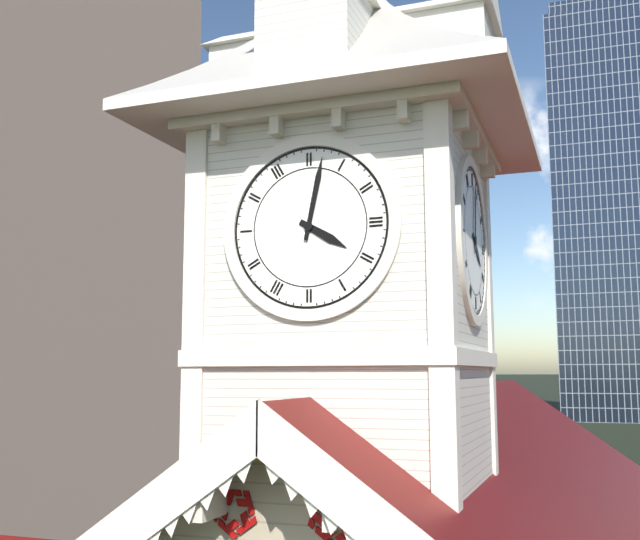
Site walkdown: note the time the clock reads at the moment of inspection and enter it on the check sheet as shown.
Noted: 4:02
